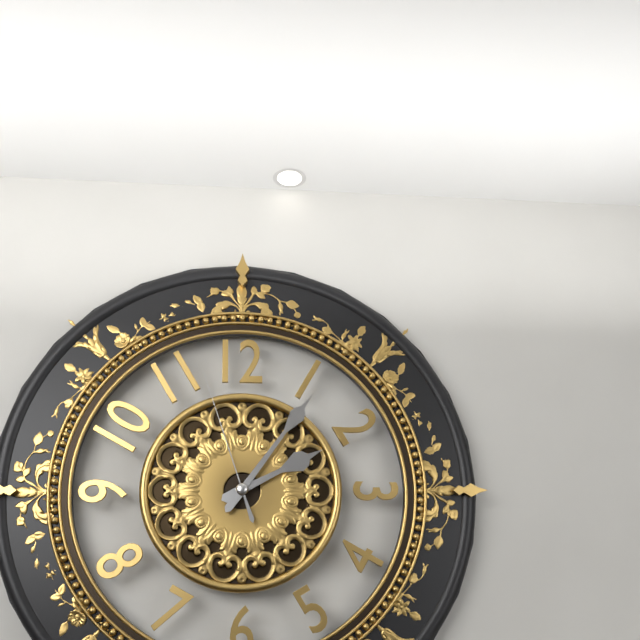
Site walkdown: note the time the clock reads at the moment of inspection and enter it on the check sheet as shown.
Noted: 2:06:57
